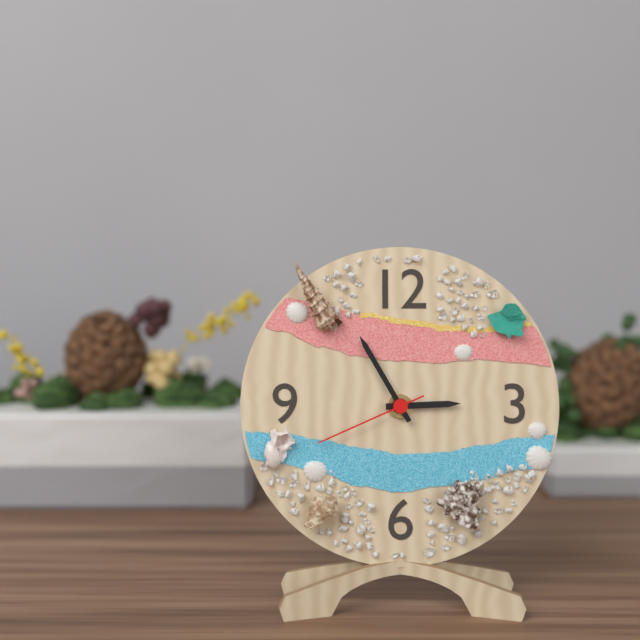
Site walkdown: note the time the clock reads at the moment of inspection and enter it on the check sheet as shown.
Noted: 2:55:41
